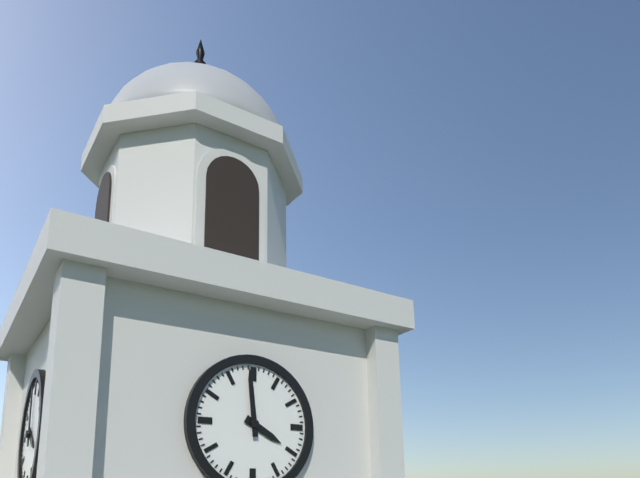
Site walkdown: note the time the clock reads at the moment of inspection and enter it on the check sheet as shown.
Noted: 3:59
